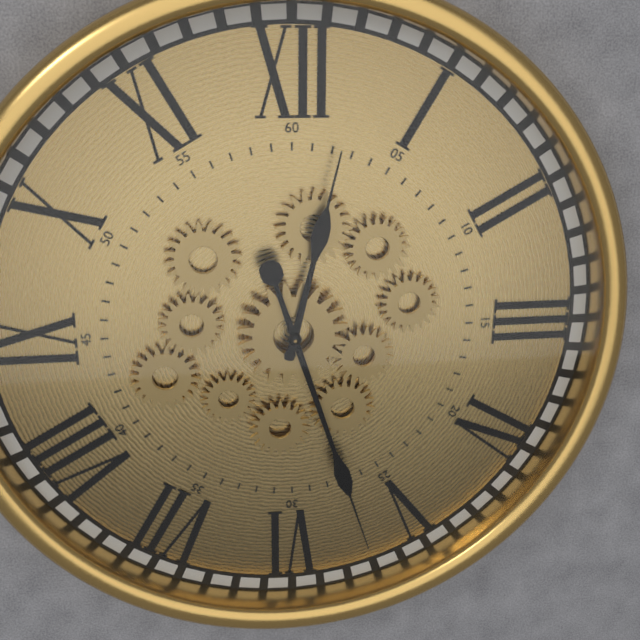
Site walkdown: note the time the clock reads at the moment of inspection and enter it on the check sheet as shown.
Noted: 12:27
